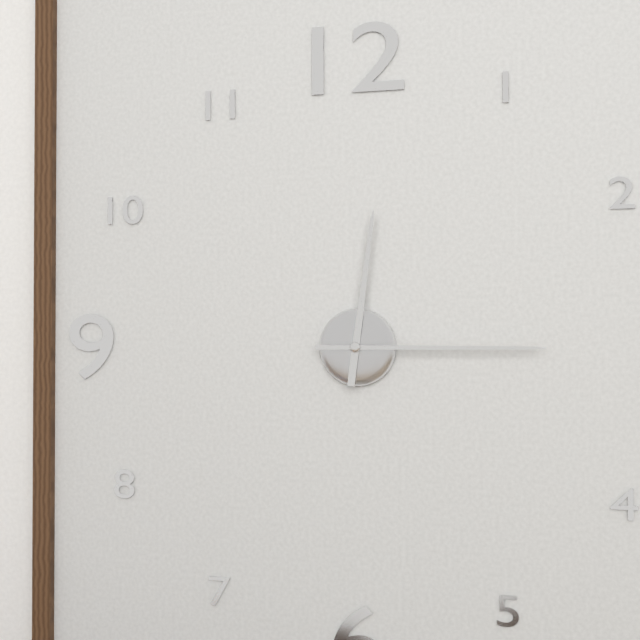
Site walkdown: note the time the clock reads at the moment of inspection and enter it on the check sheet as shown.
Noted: 12:15
